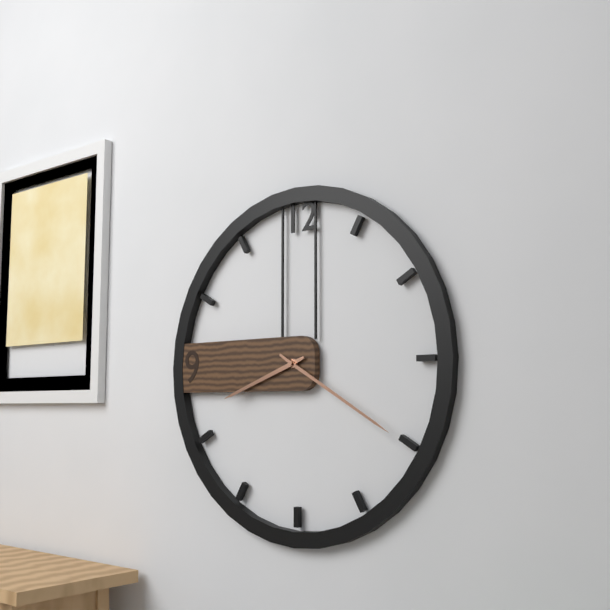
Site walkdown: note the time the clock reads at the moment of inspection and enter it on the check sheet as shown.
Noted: 8:20
